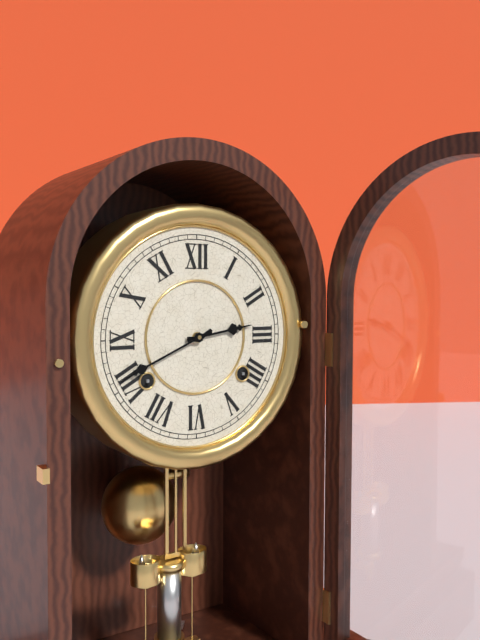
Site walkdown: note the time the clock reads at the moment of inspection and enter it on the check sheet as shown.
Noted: 2:41
